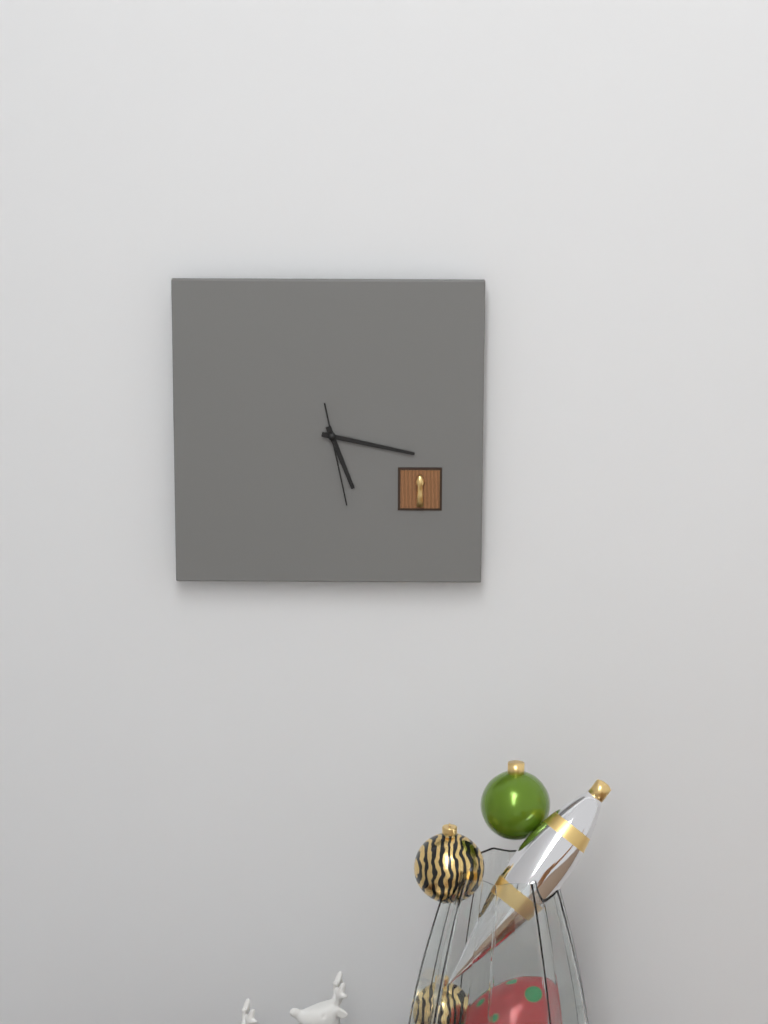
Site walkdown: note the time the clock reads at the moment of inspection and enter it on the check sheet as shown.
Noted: 5:17:28
